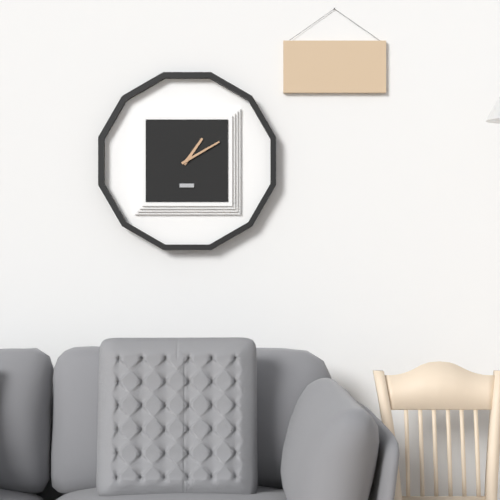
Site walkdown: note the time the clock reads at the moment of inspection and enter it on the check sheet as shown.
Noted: 1:10
